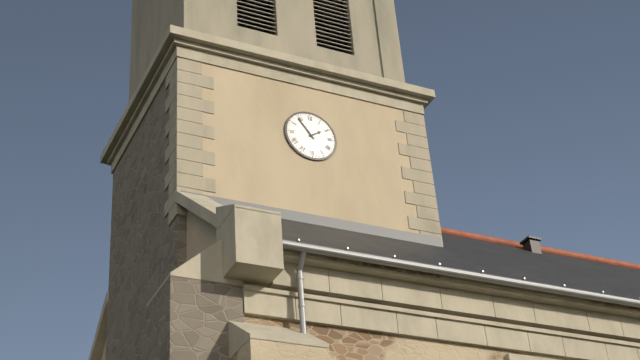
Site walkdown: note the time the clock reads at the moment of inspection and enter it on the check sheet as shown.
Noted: 1:54
